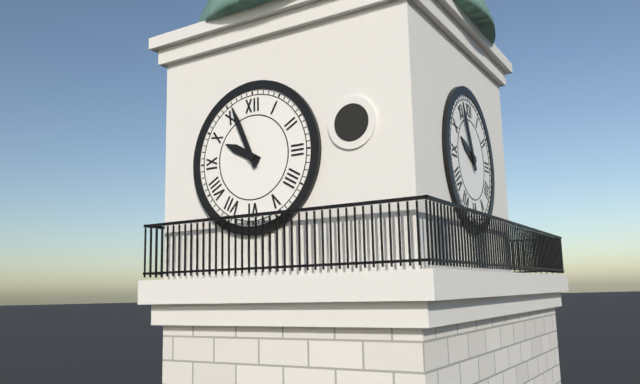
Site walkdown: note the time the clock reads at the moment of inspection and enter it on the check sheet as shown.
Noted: 9:56
